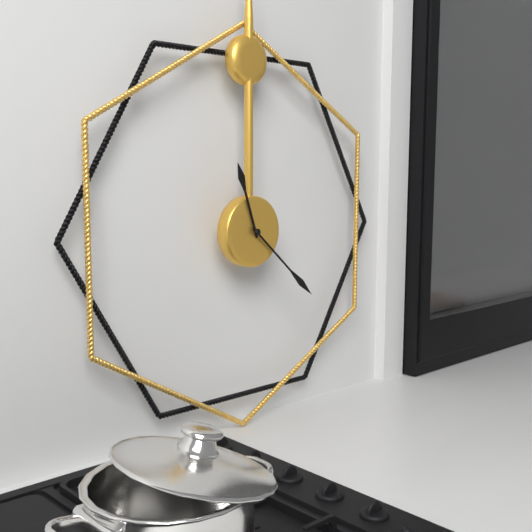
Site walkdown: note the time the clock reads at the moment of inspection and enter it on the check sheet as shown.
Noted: 11:22
